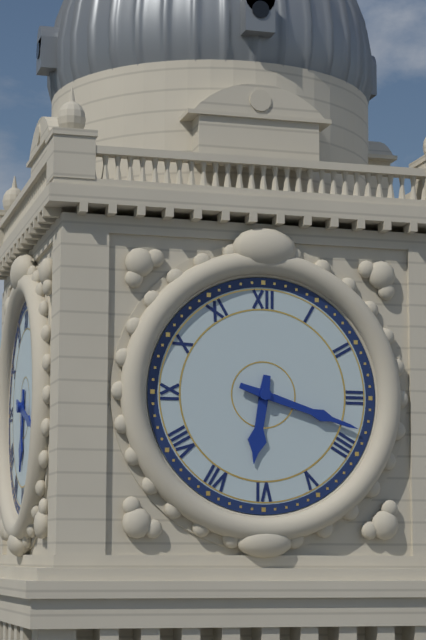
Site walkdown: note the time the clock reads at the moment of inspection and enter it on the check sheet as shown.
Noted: 6:18
